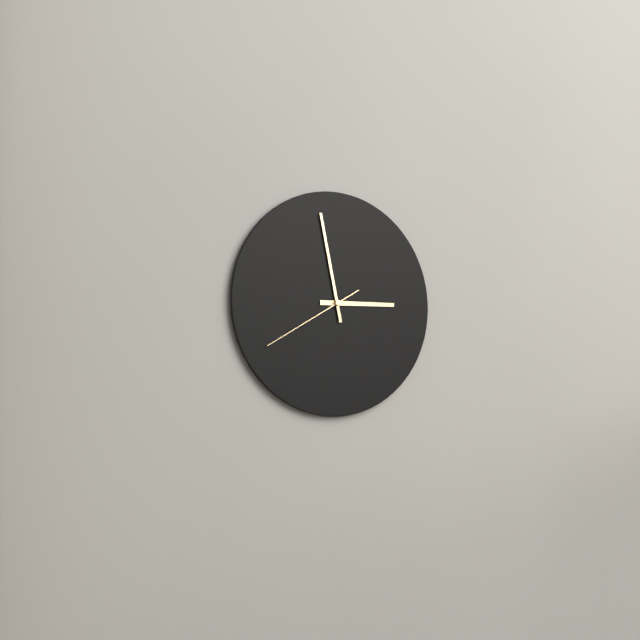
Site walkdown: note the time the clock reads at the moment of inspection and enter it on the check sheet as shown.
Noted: 2:58:40
